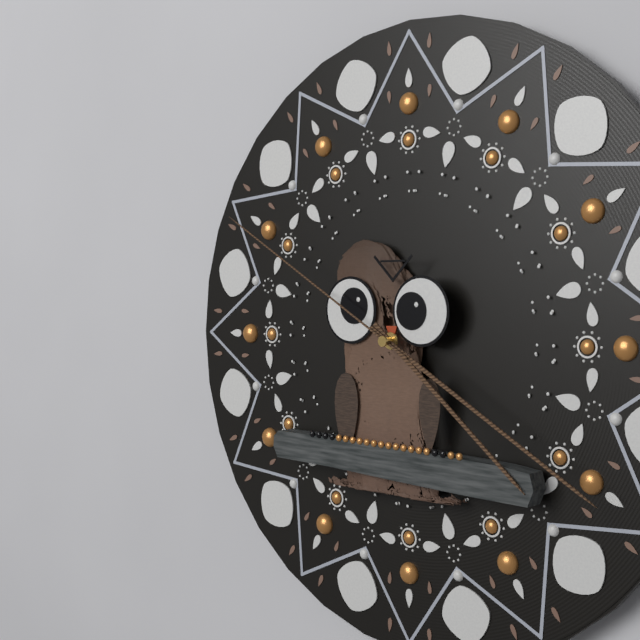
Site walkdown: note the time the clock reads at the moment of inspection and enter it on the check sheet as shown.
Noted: 4:20:50
